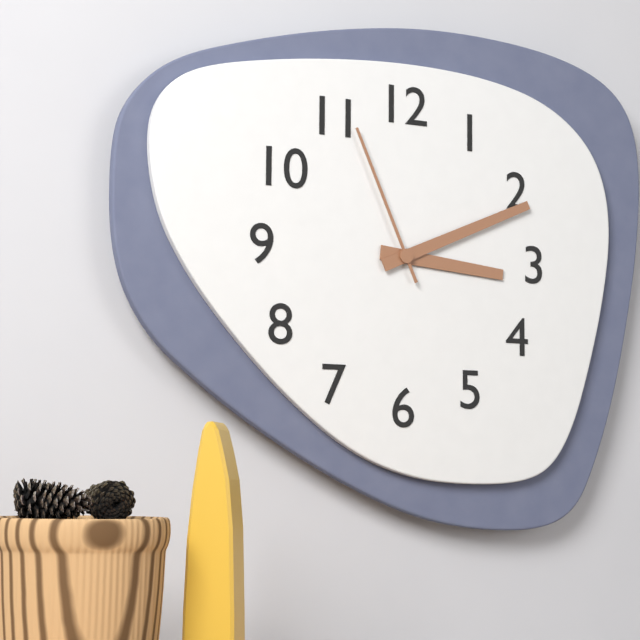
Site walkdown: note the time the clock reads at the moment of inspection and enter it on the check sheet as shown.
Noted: 3:11:56
